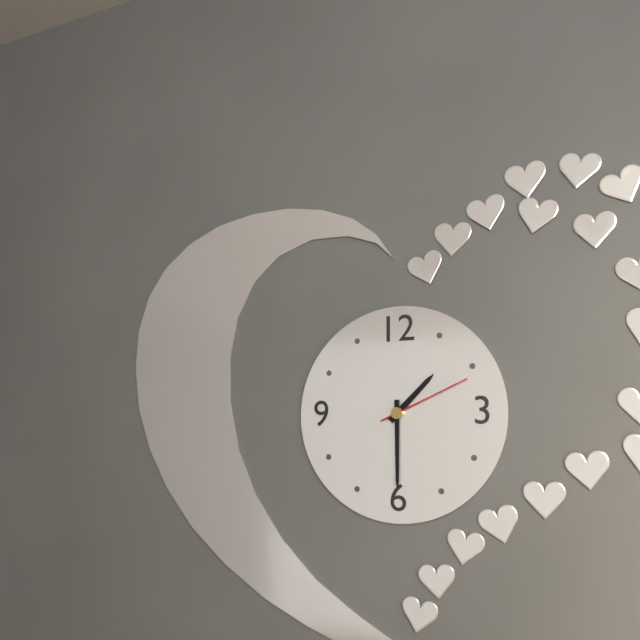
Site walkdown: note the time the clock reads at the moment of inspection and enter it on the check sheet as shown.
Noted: 1:30:11
